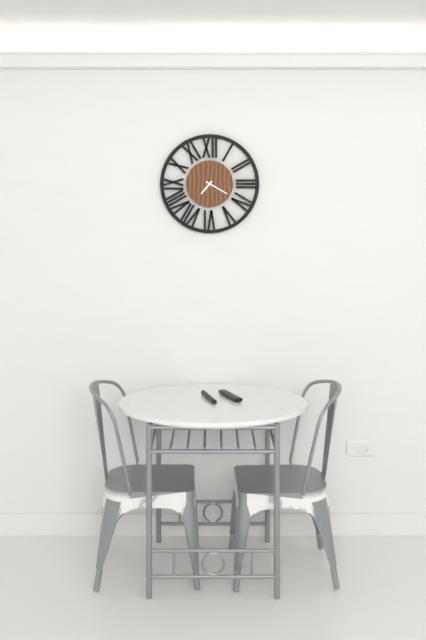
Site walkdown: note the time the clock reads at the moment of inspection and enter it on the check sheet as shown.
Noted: 7:20
